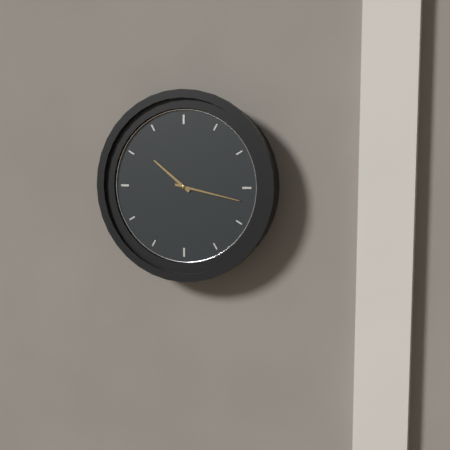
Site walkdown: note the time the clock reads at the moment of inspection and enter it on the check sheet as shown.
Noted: 10:17
